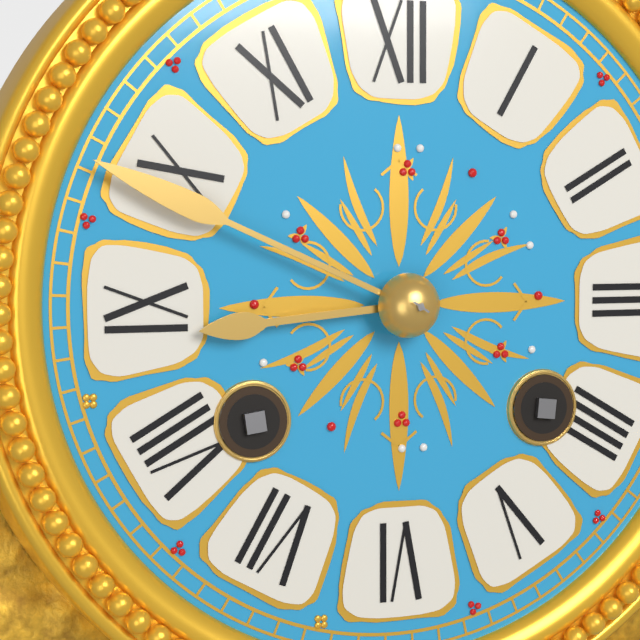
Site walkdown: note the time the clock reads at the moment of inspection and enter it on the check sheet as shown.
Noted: 8:49
